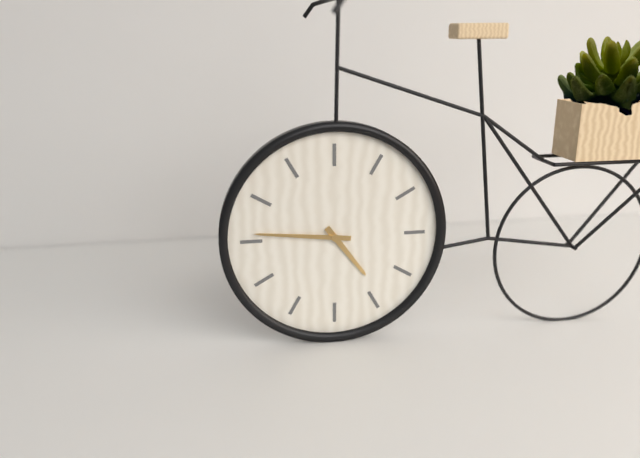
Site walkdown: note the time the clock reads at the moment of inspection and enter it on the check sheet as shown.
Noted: 4:46
